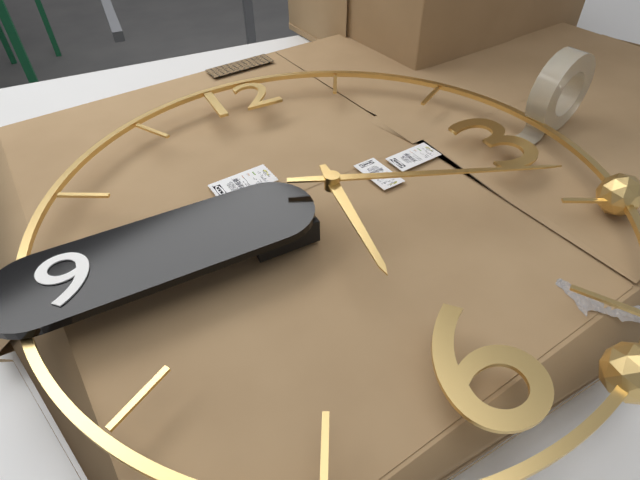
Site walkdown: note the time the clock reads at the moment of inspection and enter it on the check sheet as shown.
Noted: 6:19
